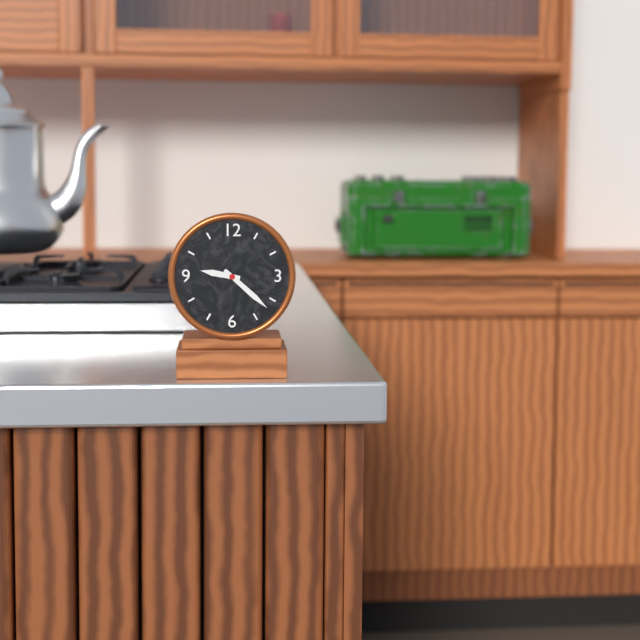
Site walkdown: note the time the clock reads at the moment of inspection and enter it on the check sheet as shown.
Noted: 9:22
